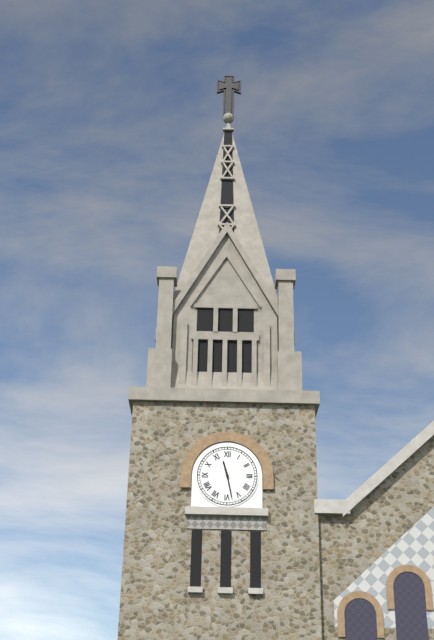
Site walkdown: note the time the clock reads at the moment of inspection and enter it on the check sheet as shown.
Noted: 11:28
